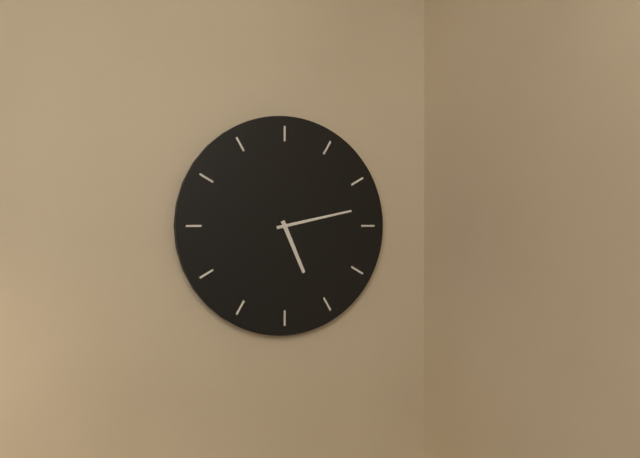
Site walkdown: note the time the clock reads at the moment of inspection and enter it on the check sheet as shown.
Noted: 5:13
